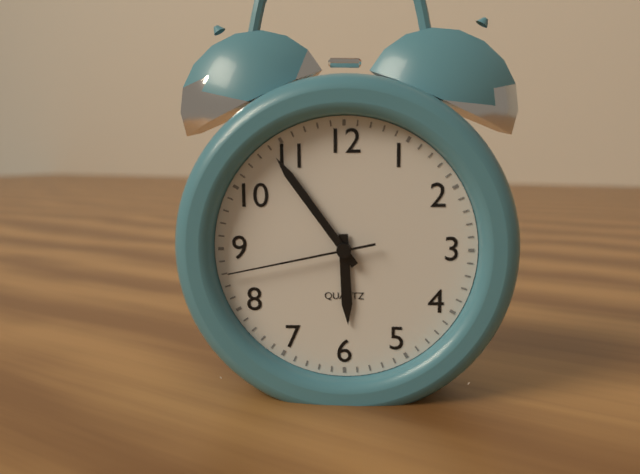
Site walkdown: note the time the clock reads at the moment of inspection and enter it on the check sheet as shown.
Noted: 5:54:43
